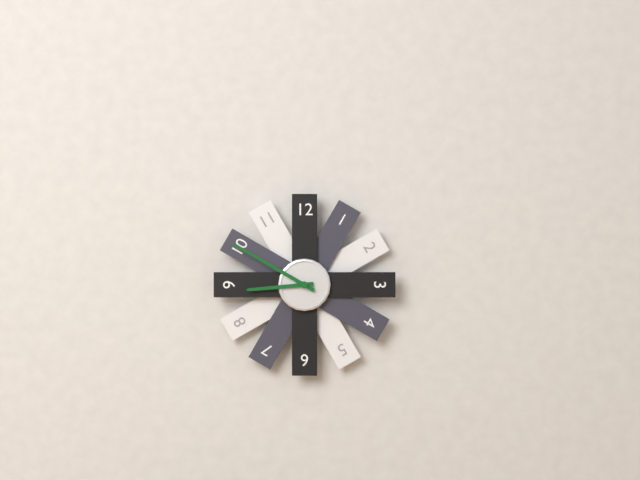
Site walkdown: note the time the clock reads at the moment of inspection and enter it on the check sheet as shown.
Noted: 8:50
